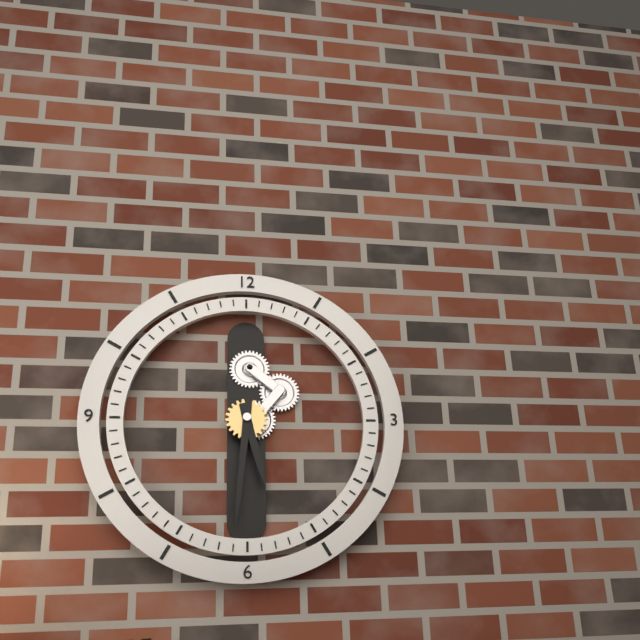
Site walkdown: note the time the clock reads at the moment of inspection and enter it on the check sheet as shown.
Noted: 5:31
